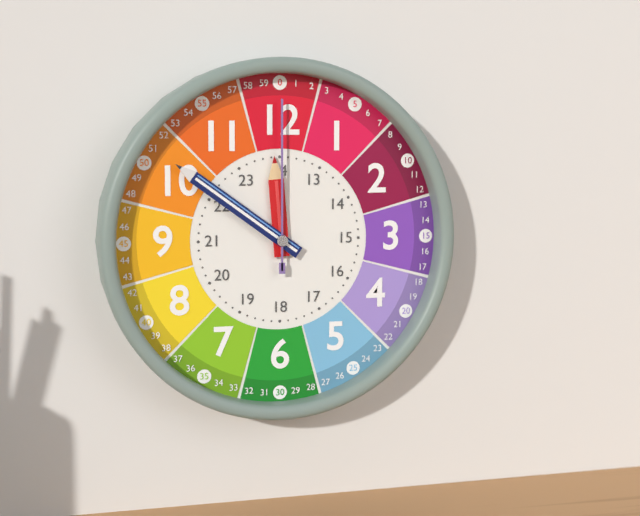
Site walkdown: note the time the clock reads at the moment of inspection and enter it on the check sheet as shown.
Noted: 11:51:00
